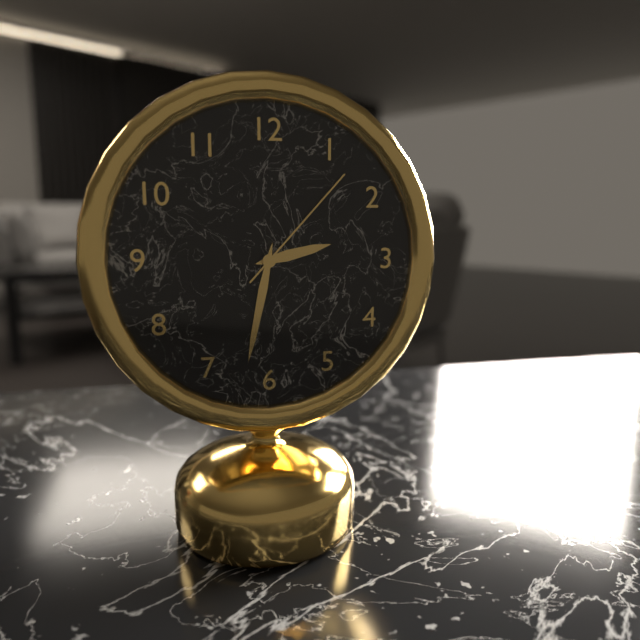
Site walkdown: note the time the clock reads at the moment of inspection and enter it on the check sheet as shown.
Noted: 2:32:07
